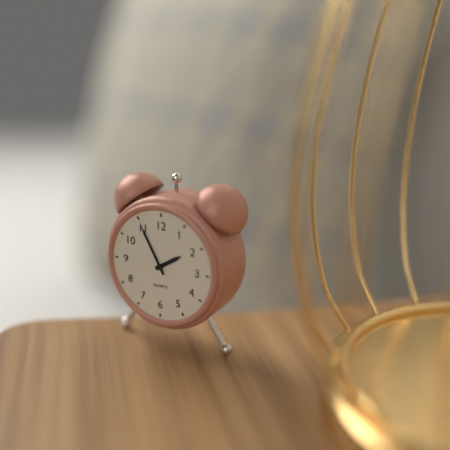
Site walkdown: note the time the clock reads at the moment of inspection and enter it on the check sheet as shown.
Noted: 1:55
